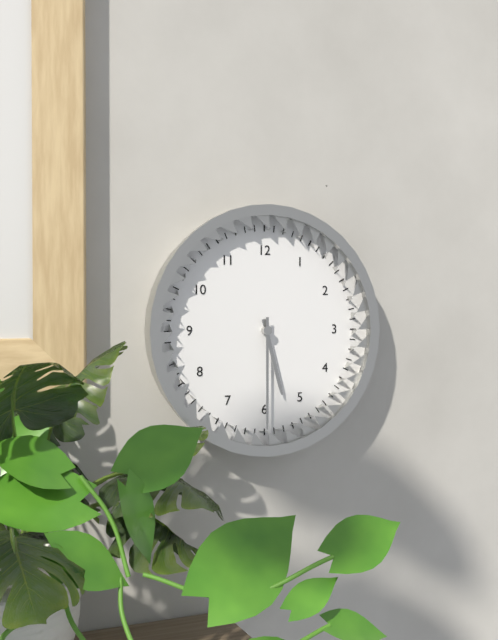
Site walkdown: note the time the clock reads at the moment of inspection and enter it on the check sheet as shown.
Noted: 5:30
